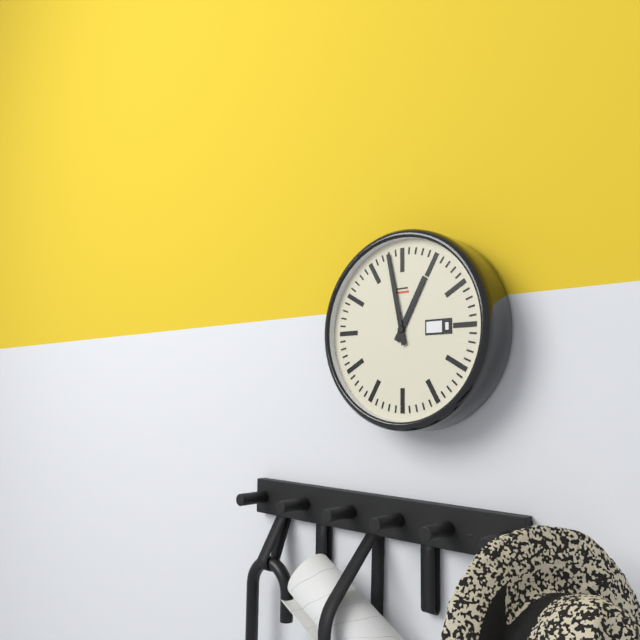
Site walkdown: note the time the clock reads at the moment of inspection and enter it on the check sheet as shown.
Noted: 12:58
